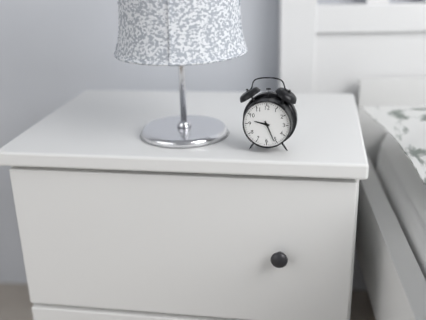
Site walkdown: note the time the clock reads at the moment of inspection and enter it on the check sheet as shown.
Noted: 9:26
